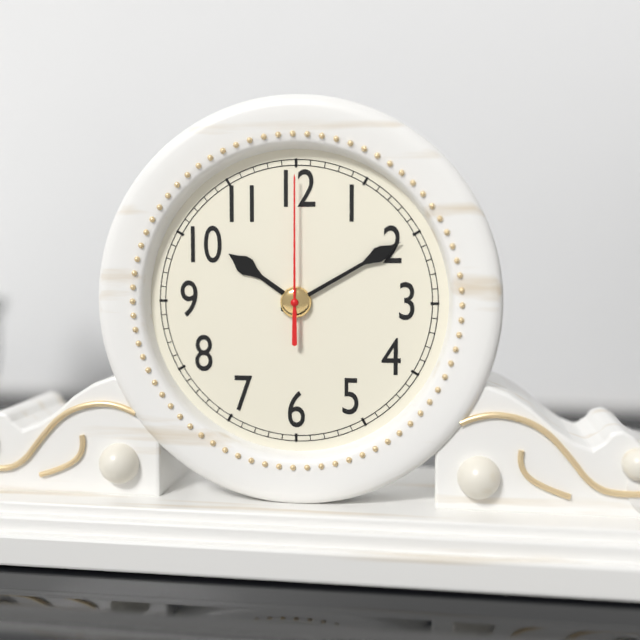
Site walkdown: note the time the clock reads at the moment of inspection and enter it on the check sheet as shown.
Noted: 10:10:00
